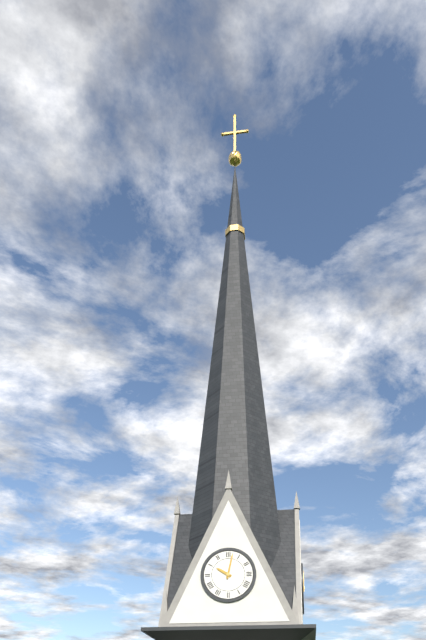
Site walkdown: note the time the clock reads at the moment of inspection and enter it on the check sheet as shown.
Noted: 10:02
